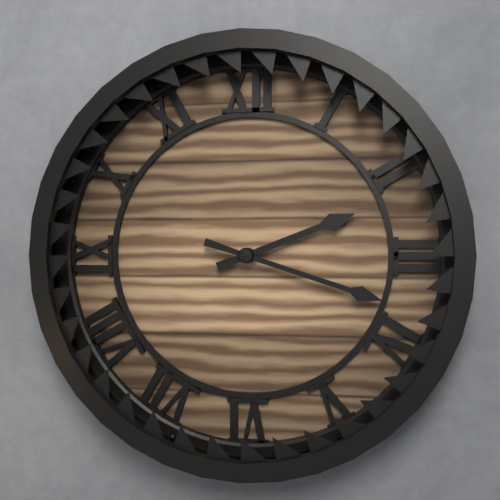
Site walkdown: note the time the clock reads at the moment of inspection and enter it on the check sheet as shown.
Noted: 2:18
